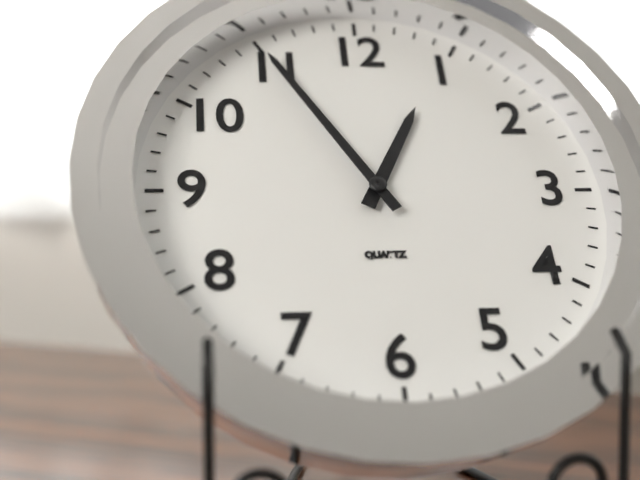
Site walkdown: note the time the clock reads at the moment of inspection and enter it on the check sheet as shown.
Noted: 12:55
